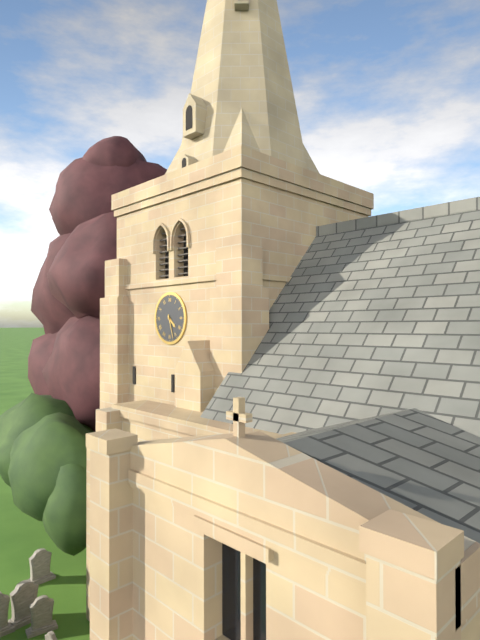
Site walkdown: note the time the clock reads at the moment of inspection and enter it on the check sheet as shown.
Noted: 4:27
